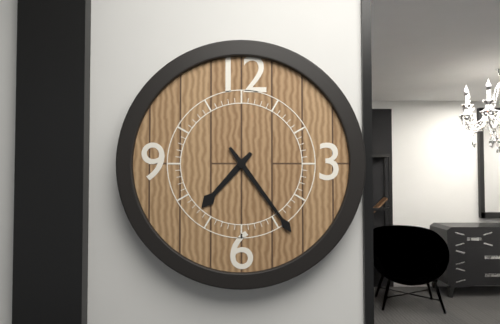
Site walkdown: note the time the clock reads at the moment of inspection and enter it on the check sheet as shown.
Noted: 7:24
